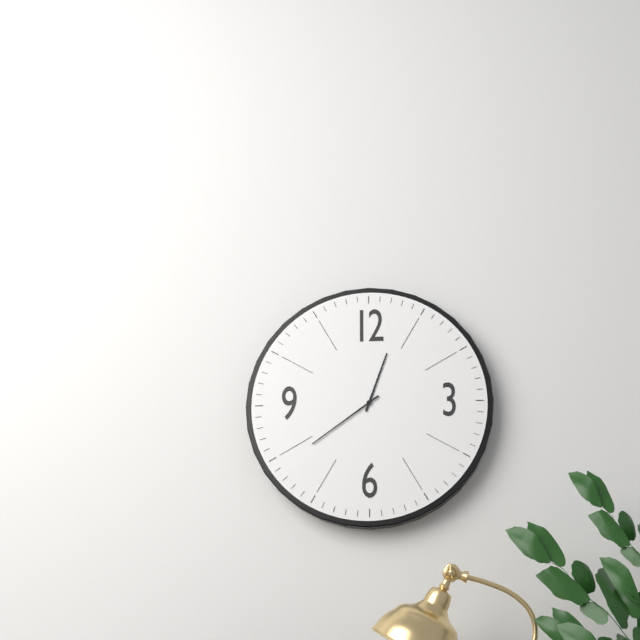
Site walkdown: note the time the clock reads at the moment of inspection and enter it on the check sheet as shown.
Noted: 12:39
